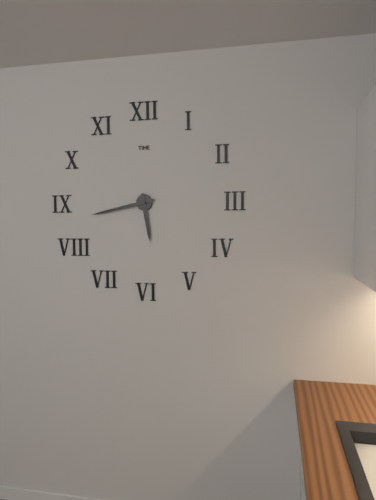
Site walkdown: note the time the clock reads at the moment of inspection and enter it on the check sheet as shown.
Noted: 5:43
